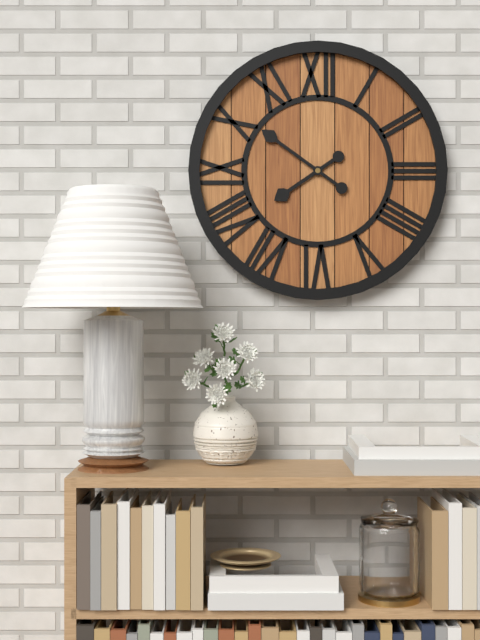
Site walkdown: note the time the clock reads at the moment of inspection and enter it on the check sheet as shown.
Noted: 7:51
